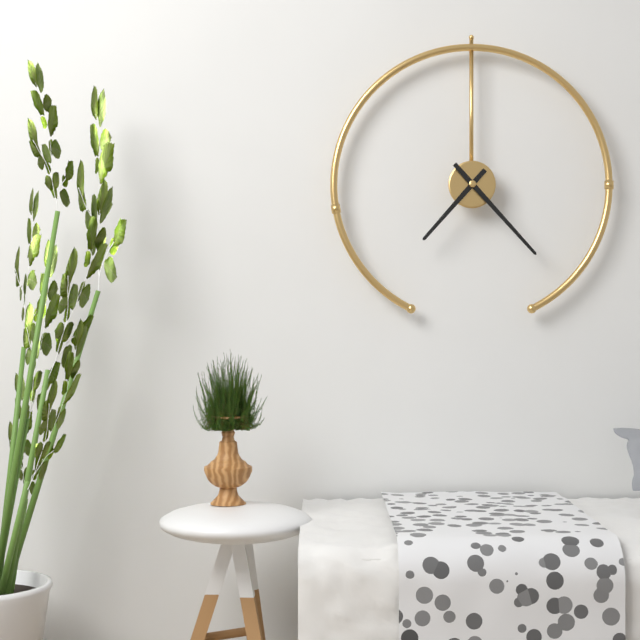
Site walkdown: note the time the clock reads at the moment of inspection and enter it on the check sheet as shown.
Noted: 7:23
